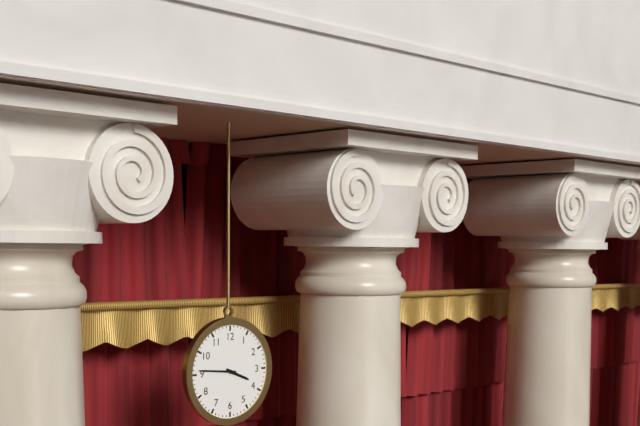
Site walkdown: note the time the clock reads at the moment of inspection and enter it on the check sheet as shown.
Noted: 3:46
